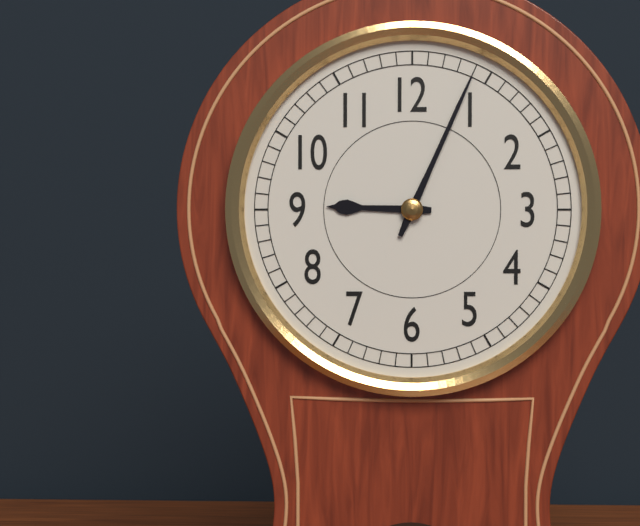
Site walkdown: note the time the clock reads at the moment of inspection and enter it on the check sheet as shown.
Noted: 9:04
